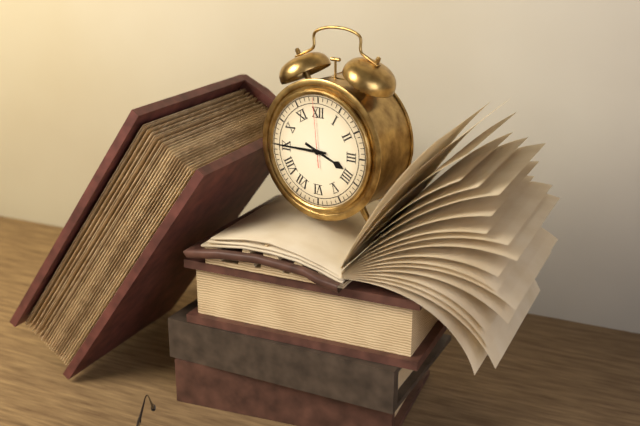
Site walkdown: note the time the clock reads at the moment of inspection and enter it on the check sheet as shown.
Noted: 3:45:59
